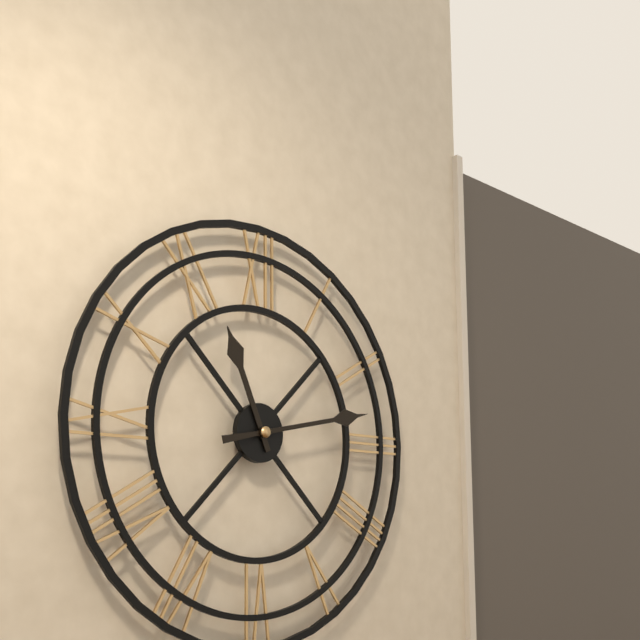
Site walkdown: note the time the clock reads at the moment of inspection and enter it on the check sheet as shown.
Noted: 11:13
